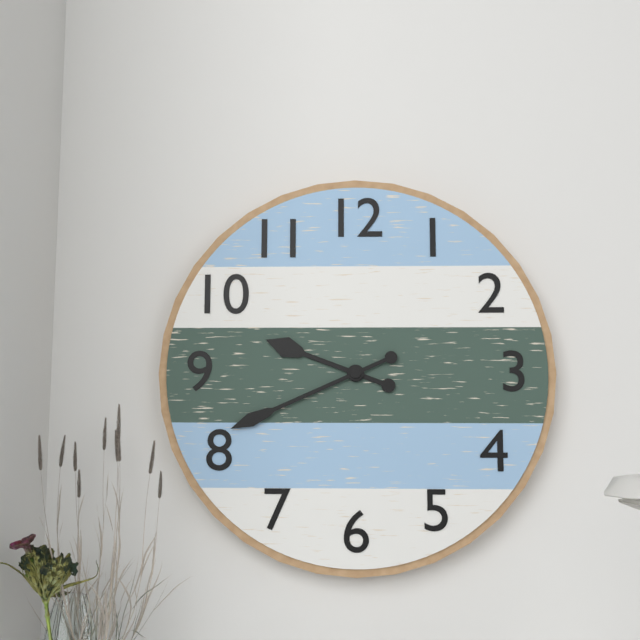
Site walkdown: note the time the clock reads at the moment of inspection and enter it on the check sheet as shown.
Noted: 9:41
